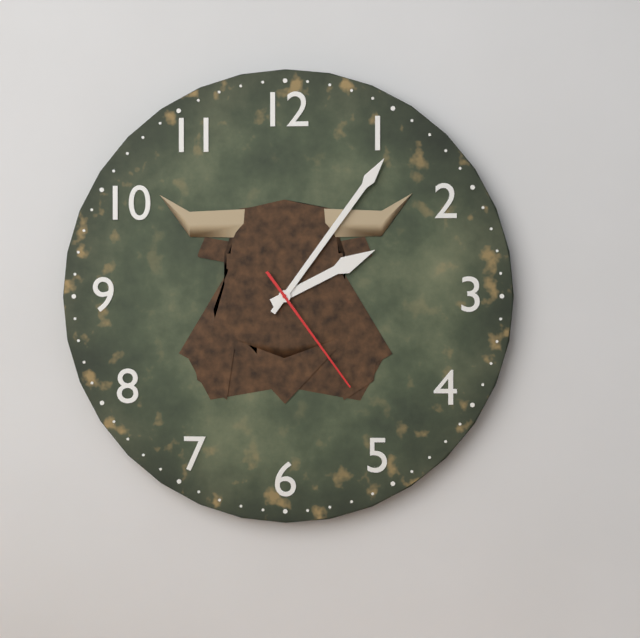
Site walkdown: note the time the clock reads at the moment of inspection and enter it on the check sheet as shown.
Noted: 2:06:24
